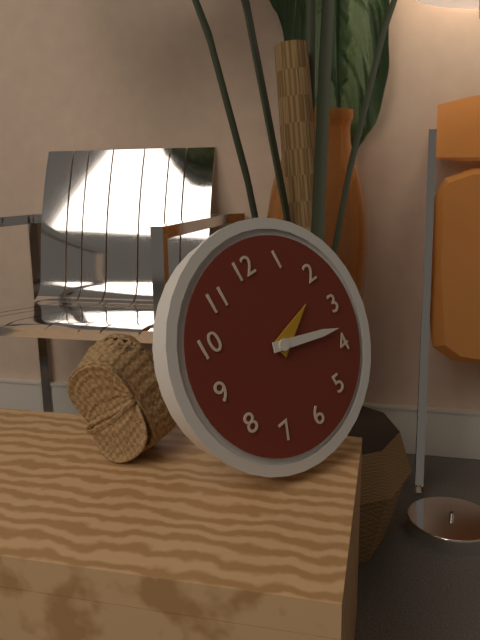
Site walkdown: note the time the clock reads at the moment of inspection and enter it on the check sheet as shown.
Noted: 2:18
